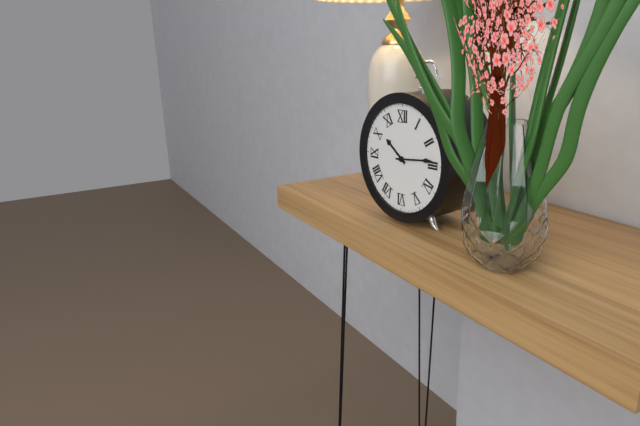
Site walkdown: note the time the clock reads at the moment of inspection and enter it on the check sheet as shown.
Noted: 10:14
